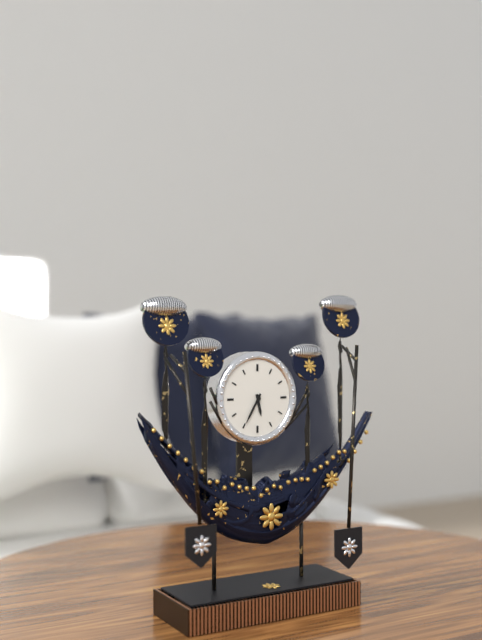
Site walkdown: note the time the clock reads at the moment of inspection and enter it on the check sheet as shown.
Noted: 5:35
